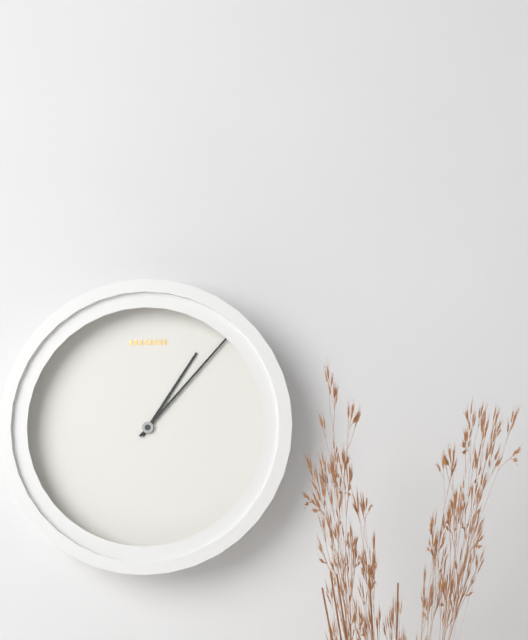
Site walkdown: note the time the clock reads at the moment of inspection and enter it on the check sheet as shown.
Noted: 1:07
